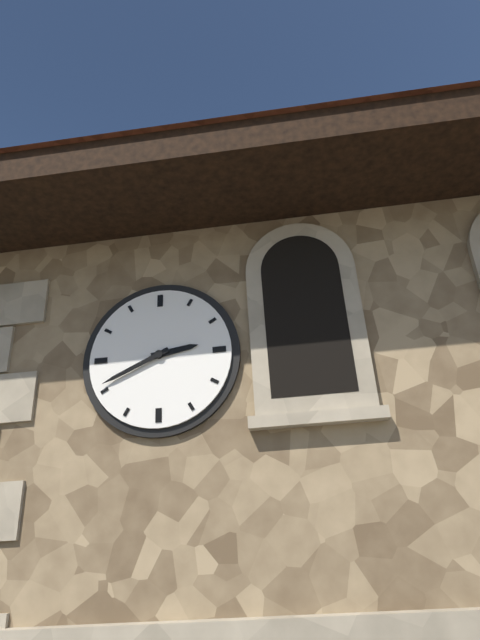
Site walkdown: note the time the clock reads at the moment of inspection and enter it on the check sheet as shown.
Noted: 2:41
